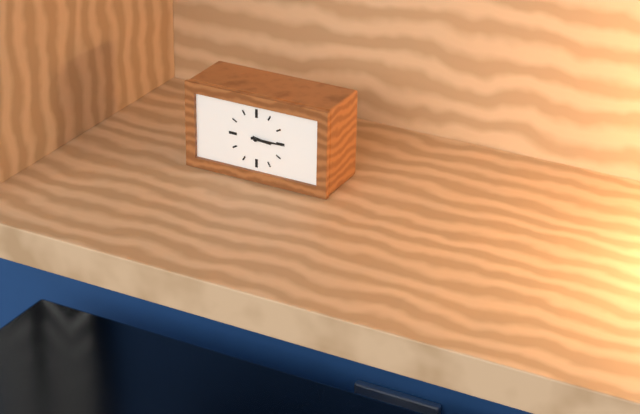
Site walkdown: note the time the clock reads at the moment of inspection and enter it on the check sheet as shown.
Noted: 3:15
